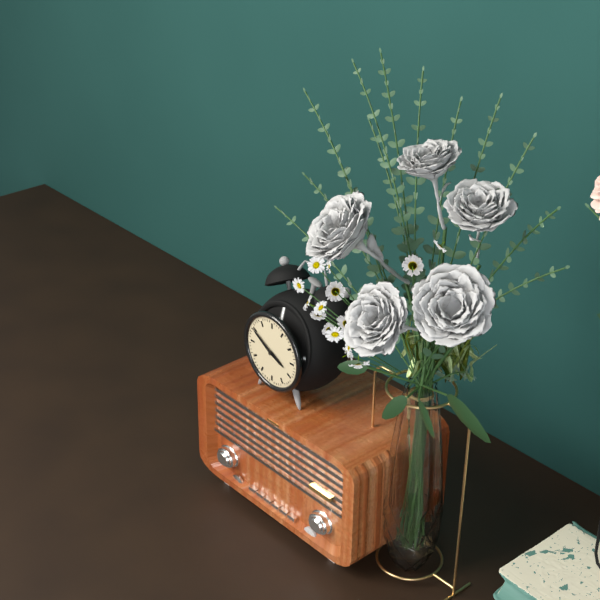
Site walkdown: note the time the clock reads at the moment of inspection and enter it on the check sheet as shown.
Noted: 3:50
